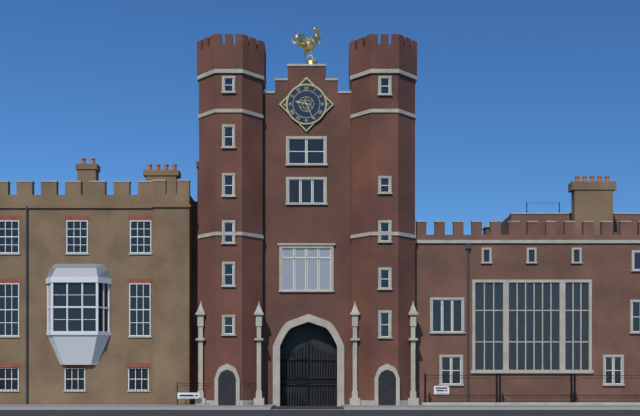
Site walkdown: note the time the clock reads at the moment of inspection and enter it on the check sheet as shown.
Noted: 9:26
